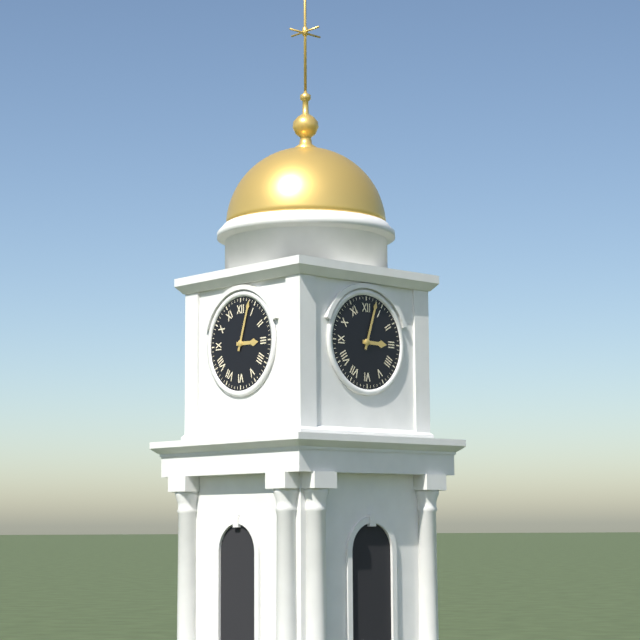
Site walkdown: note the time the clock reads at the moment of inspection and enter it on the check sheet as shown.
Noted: 3:03
